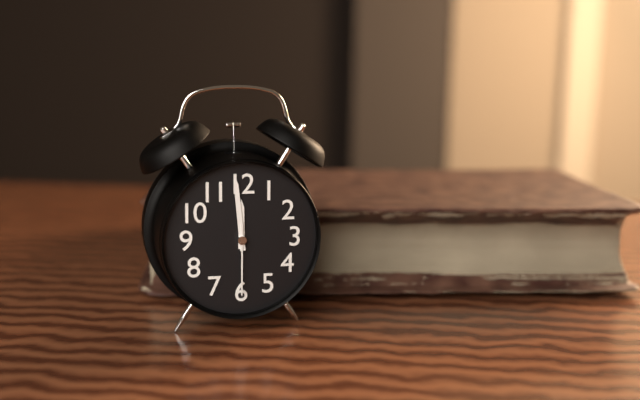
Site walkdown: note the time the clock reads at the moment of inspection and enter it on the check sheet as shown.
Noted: 11:59:30
